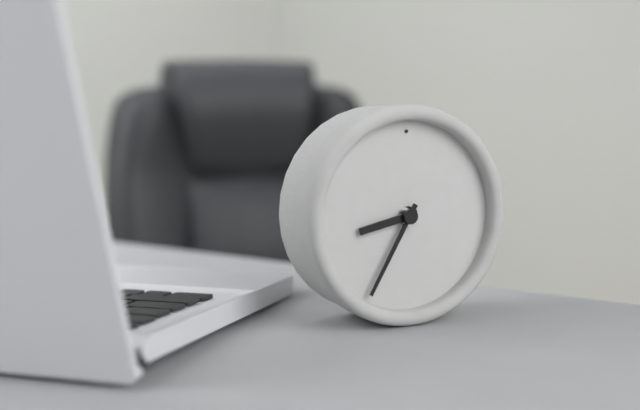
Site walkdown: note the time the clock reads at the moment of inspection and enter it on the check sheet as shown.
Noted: 8:35
